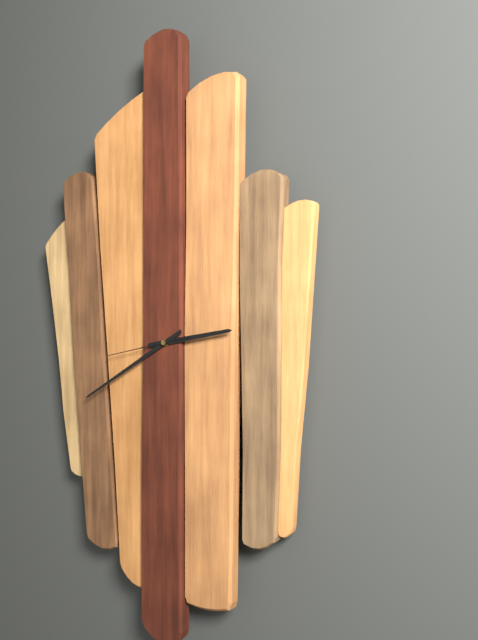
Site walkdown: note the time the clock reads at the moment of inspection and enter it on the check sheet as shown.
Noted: 2:40:43
